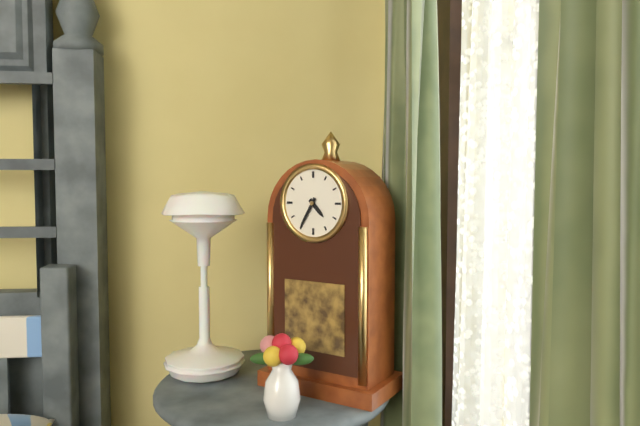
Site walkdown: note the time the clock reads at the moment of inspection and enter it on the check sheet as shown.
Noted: 4:35
